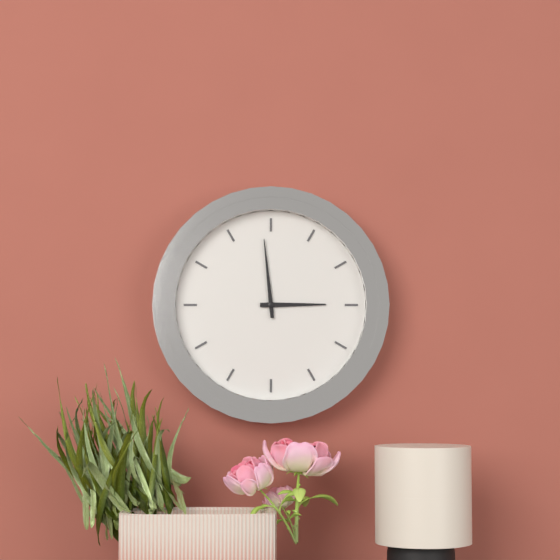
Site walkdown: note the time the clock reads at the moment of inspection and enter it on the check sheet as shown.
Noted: 2:59
